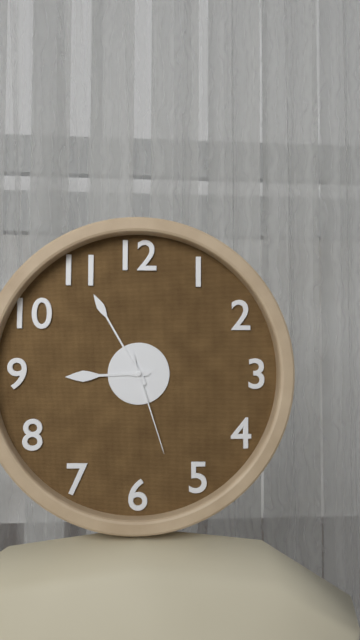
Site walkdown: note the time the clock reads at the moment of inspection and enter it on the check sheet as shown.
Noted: 8:55:27
